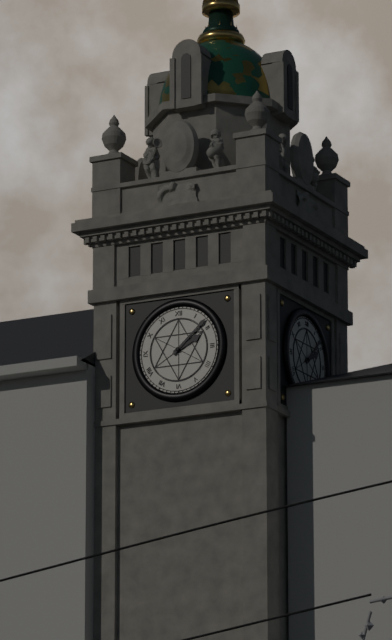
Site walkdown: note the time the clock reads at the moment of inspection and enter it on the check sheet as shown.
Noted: 2:08
